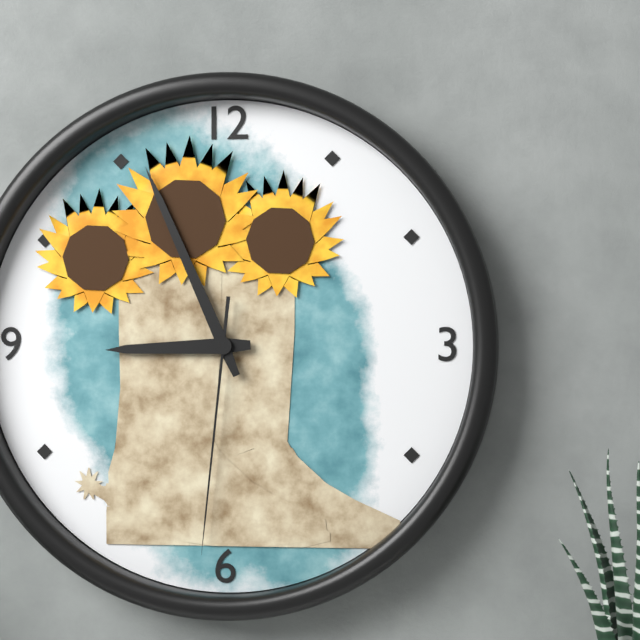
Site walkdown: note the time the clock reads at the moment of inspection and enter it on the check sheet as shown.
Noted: 8:56:31
